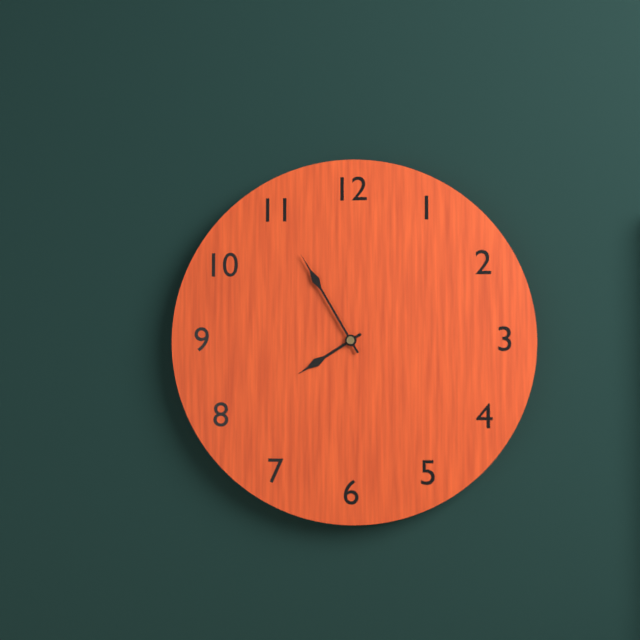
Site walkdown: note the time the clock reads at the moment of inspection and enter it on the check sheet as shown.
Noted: 7:55
